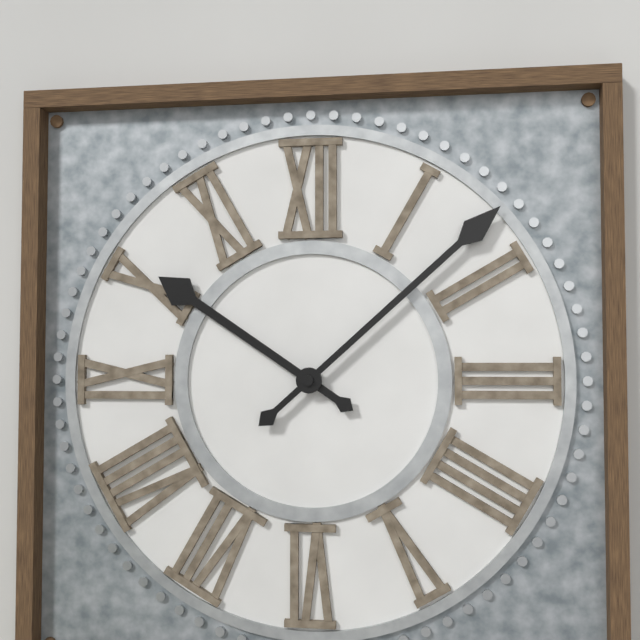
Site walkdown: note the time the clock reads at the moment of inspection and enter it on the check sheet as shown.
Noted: 10:08
